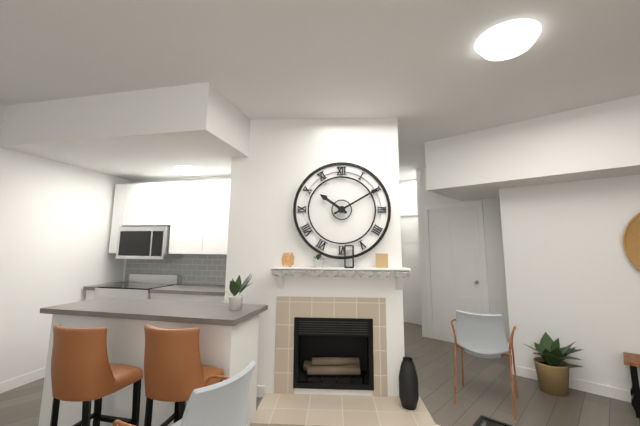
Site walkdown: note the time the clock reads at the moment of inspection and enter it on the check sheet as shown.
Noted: 10:10
